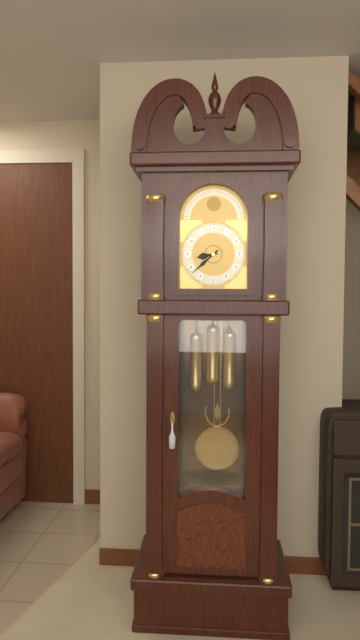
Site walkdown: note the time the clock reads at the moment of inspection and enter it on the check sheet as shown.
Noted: 8:38
